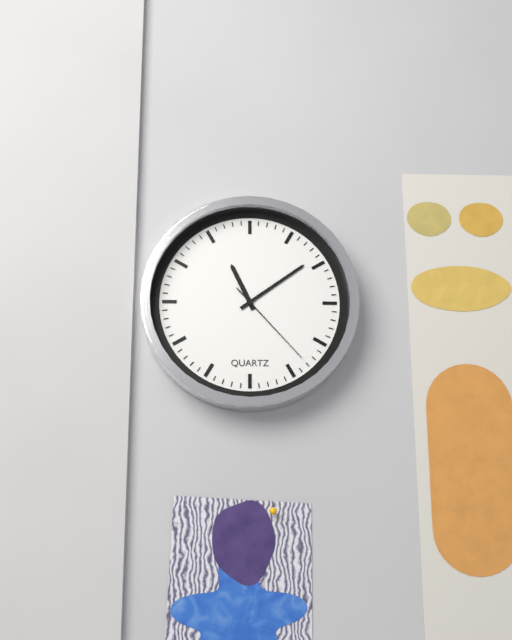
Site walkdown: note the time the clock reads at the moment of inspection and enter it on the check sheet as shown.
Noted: 11:09:23
